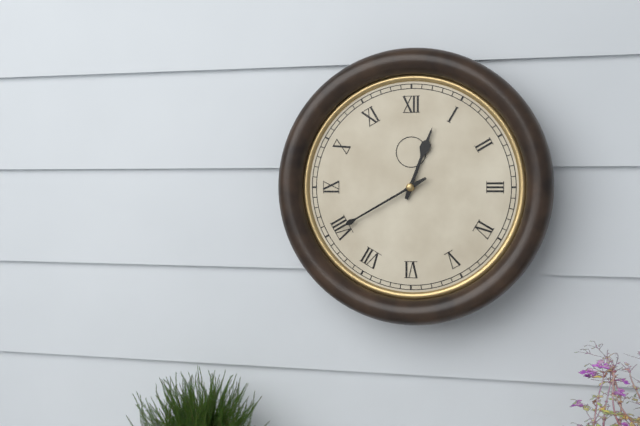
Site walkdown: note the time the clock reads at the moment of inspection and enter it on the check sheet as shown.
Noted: 12:40
